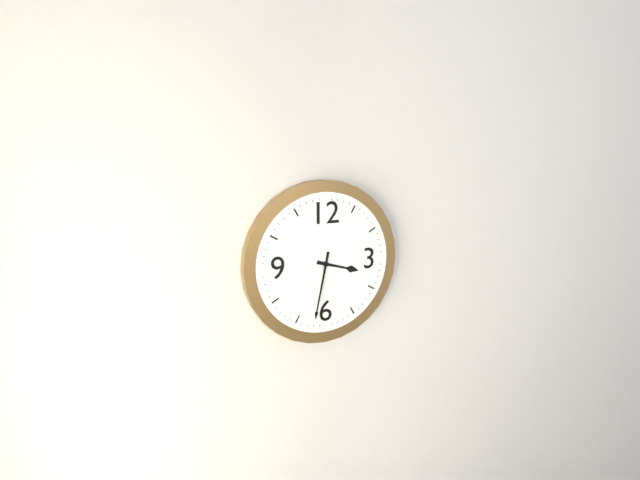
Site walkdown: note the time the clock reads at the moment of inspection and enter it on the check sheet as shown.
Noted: 3:32
